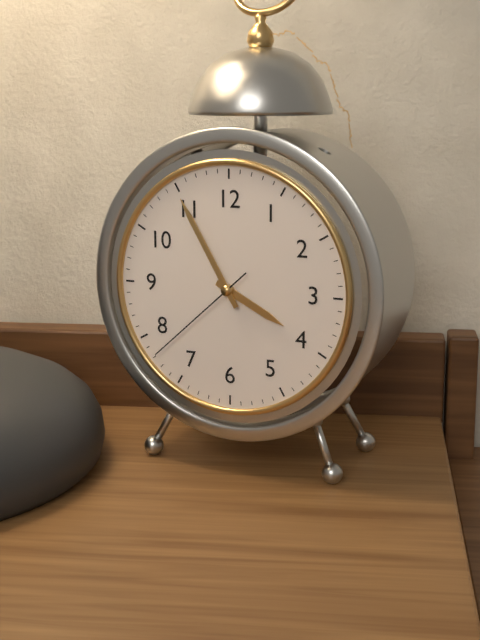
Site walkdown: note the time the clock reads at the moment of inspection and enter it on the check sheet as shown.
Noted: 3:55:38
